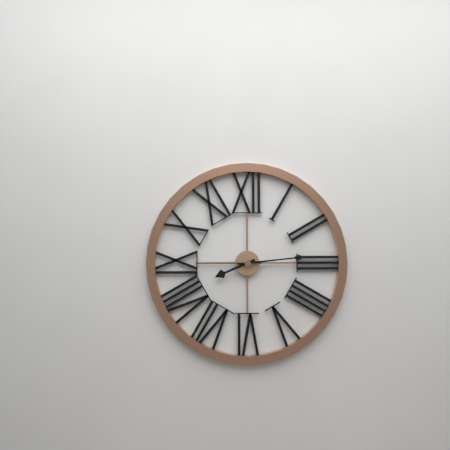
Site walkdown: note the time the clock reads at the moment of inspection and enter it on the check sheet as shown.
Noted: 8:14:45
